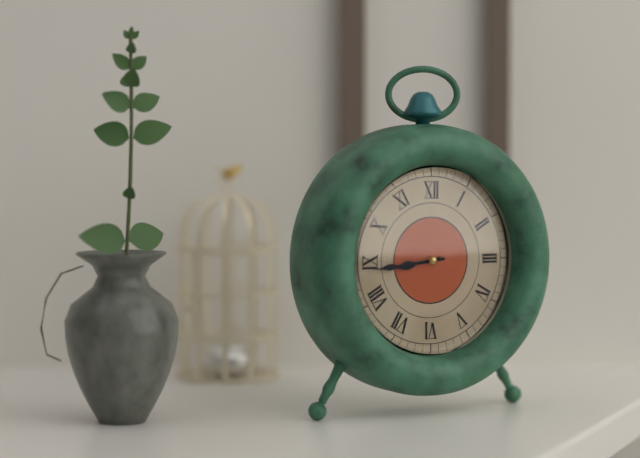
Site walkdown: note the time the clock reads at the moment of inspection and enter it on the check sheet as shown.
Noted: 8:44
